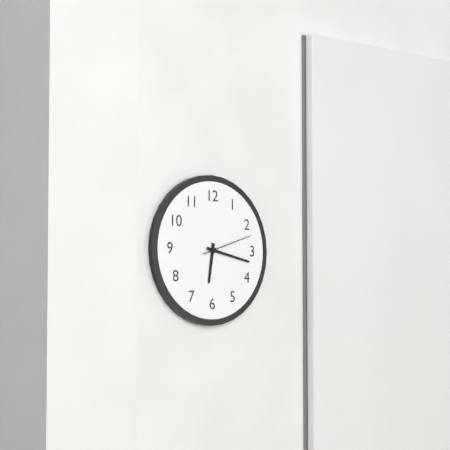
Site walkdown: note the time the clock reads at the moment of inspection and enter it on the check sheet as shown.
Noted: 6:17:12
